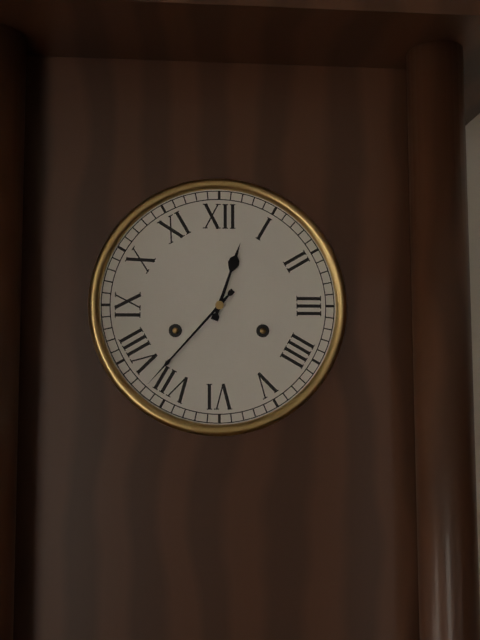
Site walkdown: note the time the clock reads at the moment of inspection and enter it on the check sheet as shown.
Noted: 12:37
